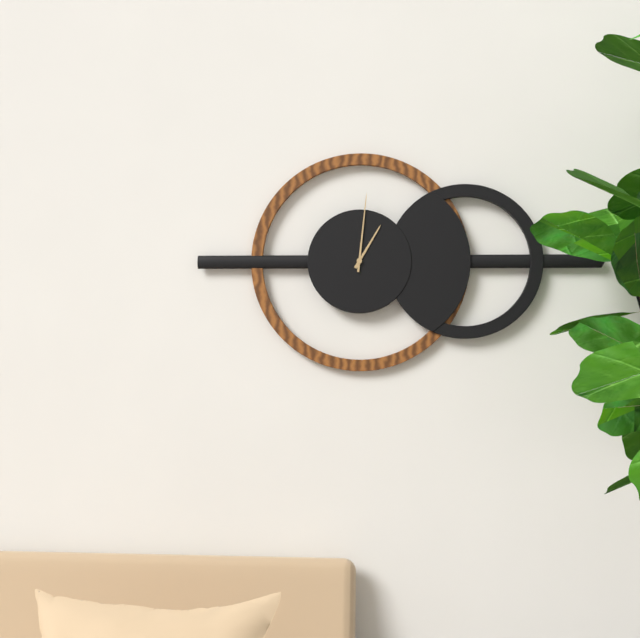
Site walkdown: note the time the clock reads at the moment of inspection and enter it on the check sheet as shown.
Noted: 1:01
